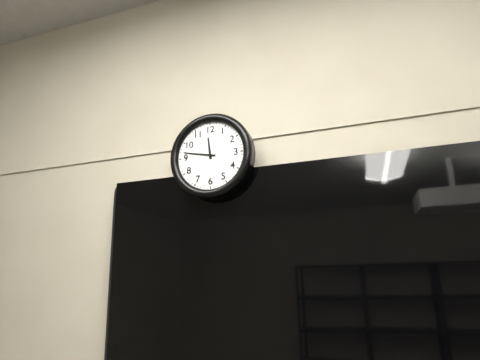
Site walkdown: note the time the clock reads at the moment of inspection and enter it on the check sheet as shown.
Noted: 11:47
